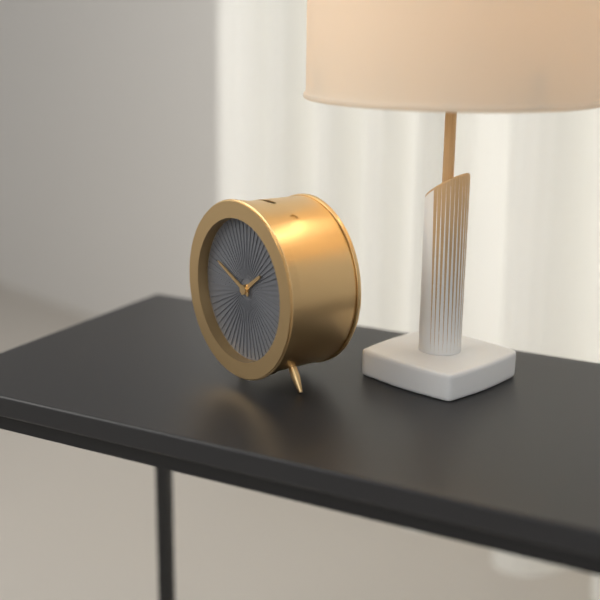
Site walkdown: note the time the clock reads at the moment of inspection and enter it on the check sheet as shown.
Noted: 1:49
